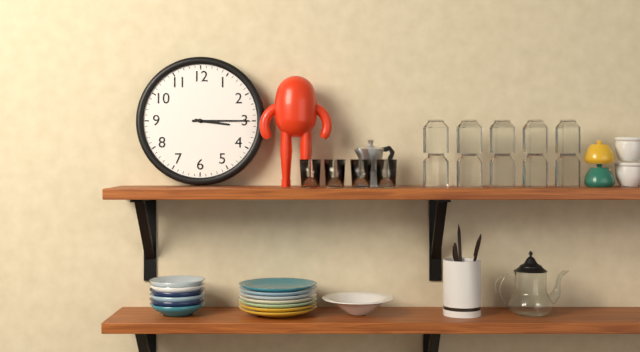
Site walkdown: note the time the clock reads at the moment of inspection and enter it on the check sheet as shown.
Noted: 3:15
